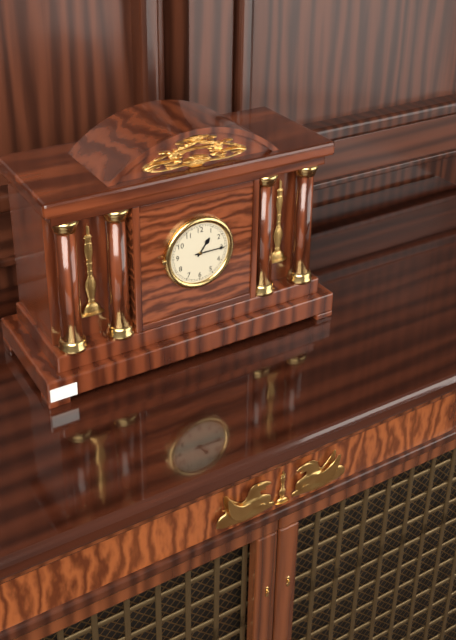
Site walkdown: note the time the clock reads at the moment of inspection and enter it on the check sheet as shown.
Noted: 1:15
